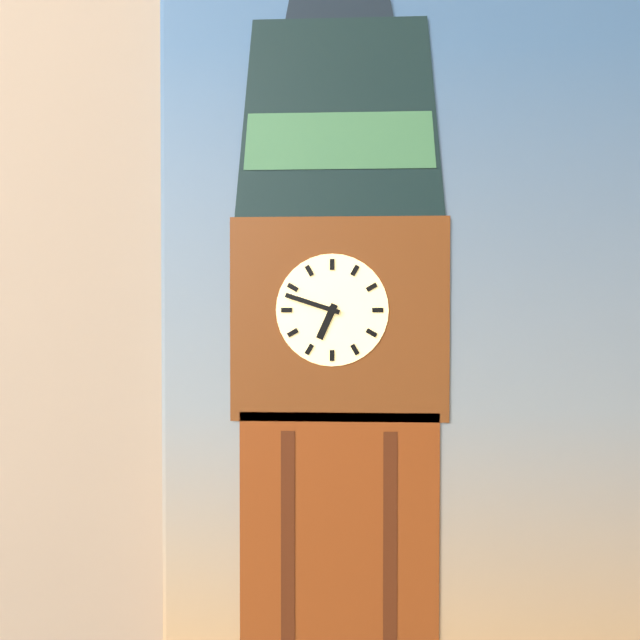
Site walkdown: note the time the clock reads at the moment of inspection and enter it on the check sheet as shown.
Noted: 6:48
